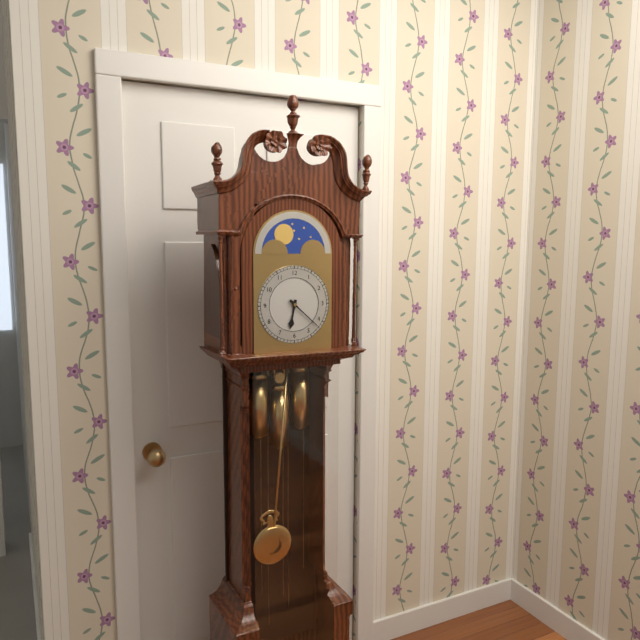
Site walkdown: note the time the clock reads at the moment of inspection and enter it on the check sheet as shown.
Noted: 6:22
